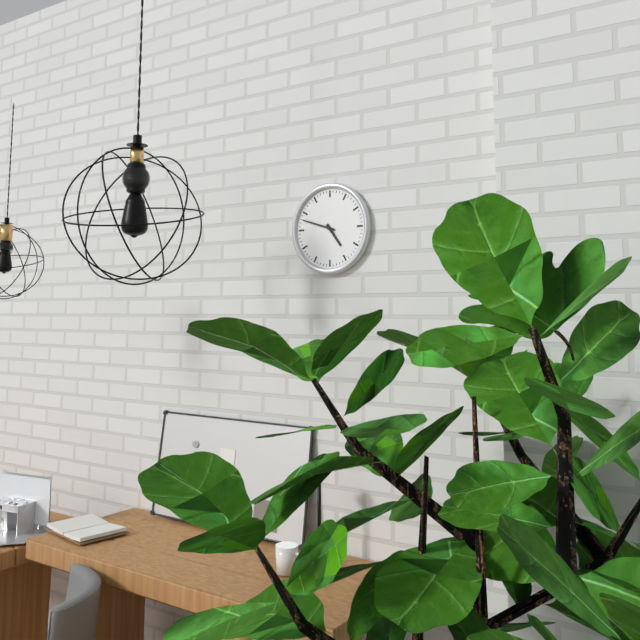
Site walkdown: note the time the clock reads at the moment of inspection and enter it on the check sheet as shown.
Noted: 4:48
